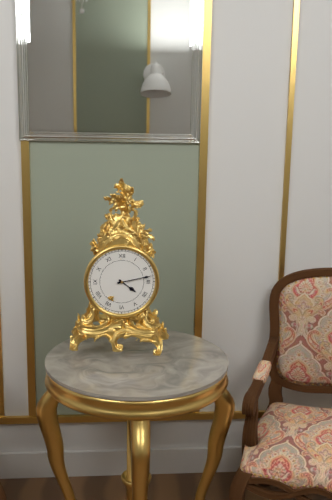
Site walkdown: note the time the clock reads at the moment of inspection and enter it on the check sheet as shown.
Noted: 4:13
